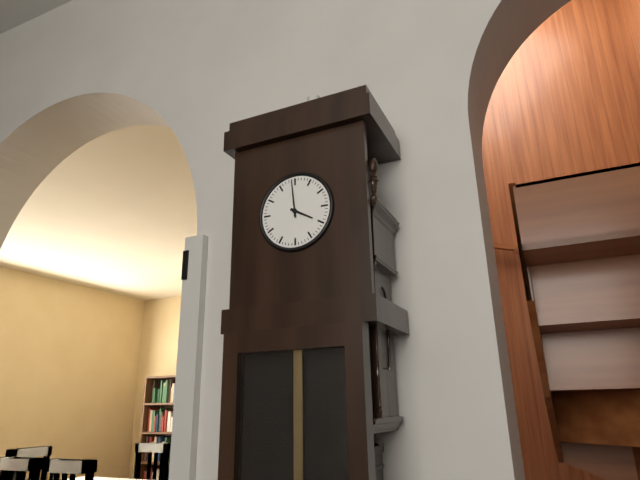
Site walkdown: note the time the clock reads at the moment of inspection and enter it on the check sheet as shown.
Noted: 3:59
